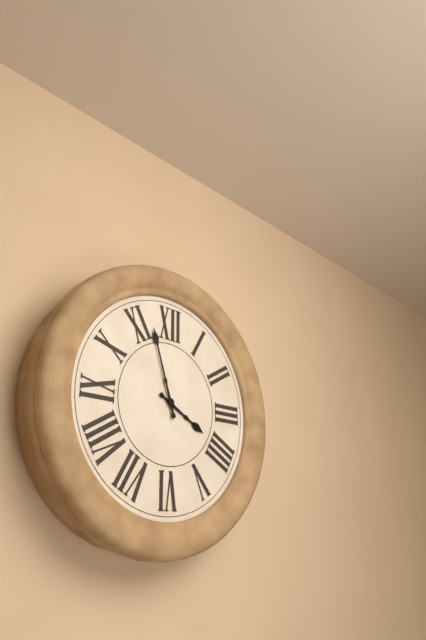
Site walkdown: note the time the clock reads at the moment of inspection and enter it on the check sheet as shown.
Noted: 3:57
